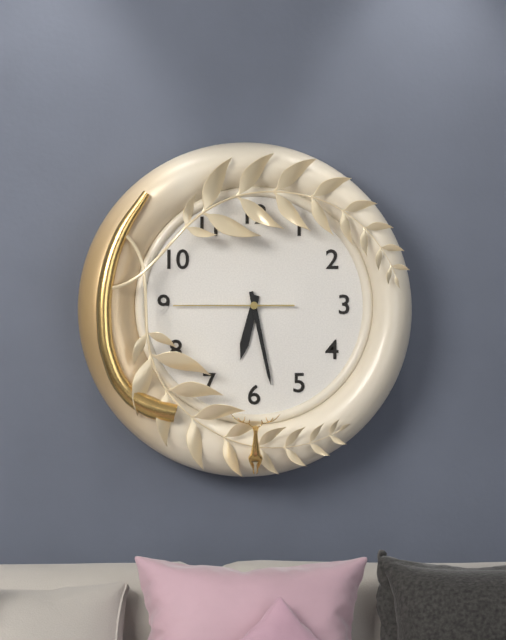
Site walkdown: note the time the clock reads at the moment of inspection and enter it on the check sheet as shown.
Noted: 6:28:45
